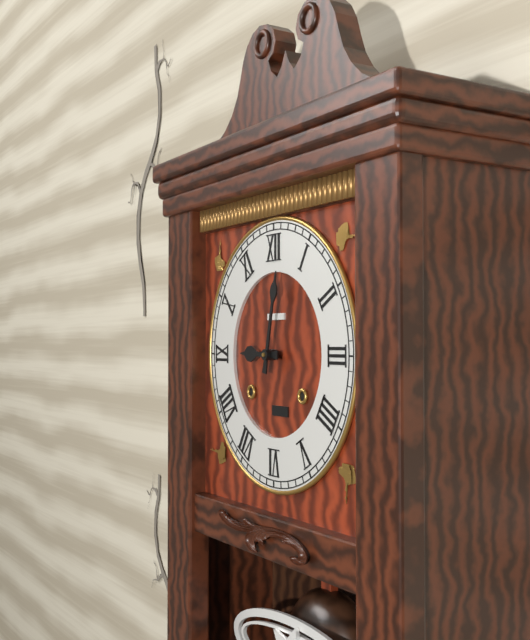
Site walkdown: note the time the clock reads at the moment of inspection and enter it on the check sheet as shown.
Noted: 9:02
